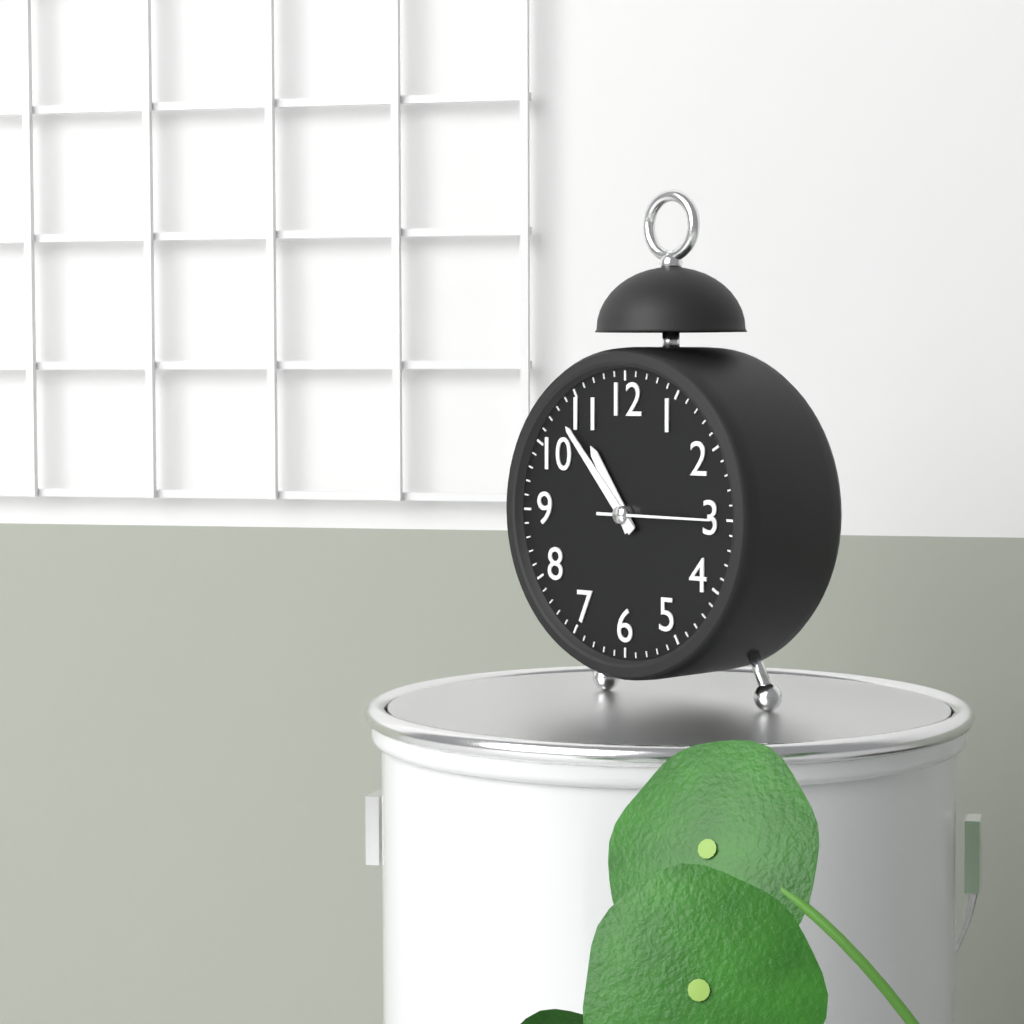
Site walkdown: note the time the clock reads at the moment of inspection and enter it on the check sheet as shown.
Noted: 10:53:15
